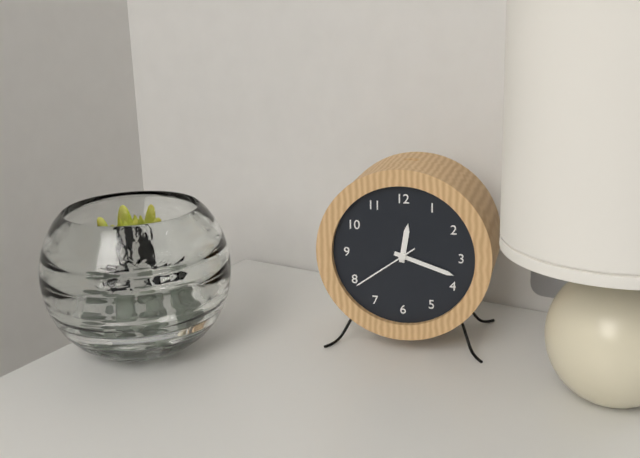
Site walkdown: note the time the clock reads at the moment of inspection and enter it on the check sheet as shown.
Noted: 12:18:39
